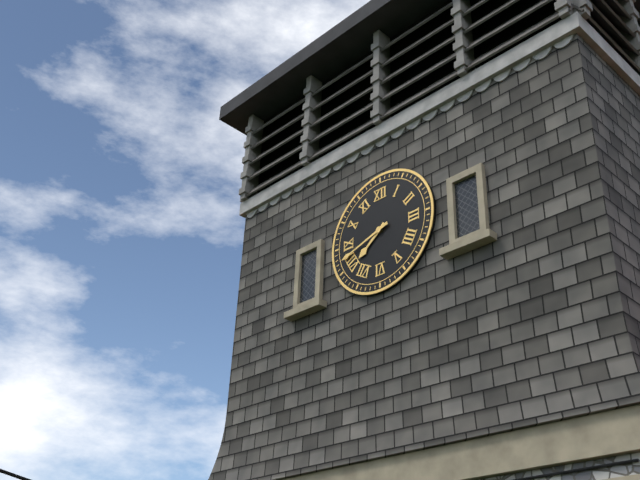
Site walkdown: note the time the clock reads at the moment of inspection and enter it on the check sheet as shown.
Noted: 7:42
